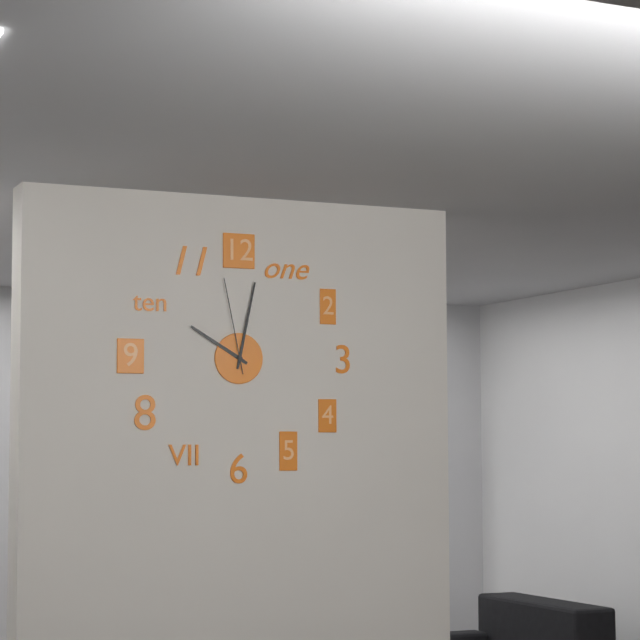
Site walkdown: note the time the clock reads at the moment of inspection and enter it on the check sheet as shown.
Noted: 10:02:58
